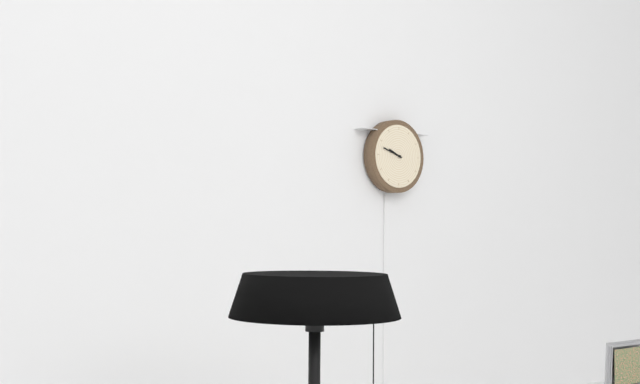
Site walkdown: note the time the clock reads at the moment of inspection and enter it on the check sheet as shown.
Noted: 9:48
